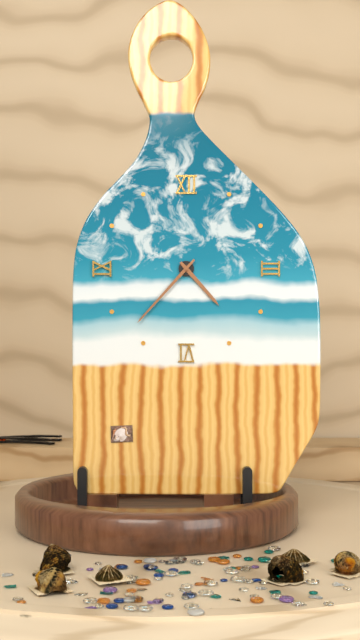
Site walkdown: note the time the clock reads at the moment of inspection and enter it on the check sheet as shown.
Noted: 4:37
